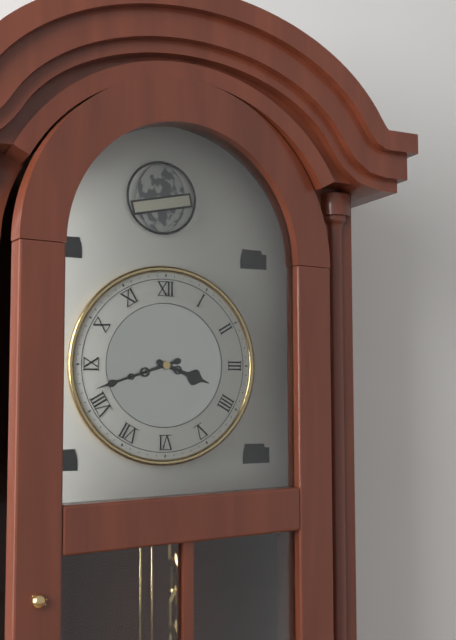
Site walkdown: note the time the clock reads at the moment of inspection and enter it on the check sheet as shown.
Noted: 3:42
